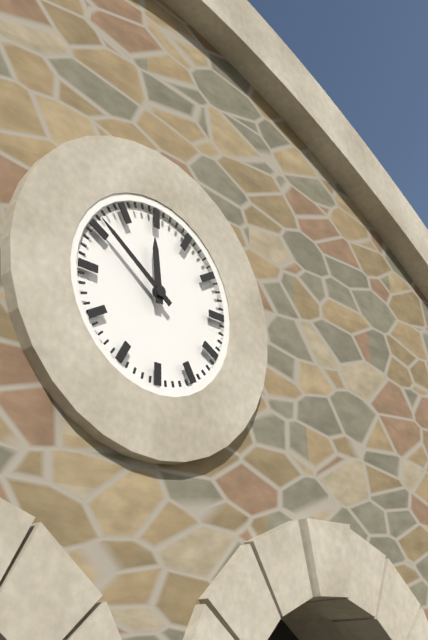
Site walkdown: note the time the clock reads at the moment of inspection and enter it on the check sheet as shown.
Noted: 11:51
